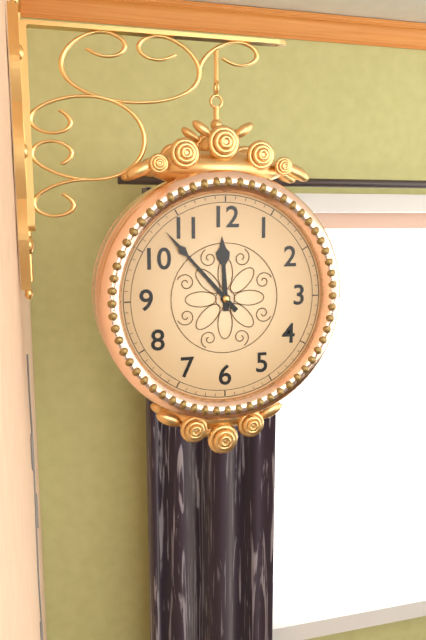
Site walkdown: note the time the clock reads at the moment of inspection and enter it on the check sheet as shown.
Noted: 11:53
